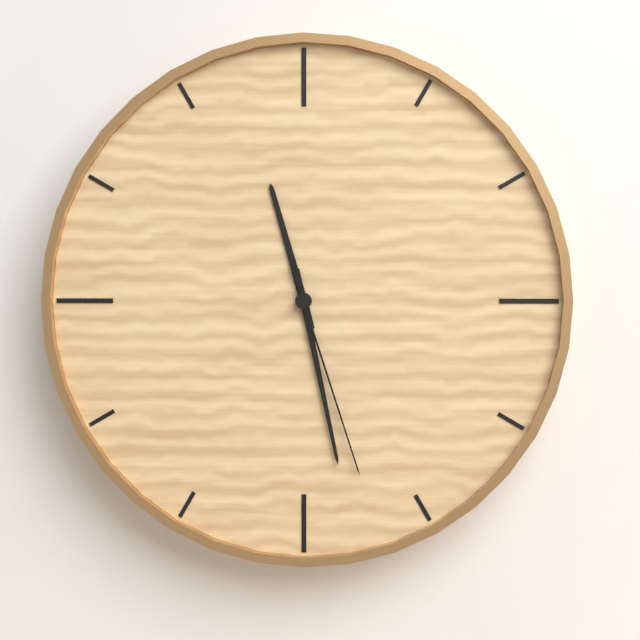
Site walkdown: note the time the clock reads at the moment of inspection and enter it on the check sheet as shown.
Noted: 11:28:27
